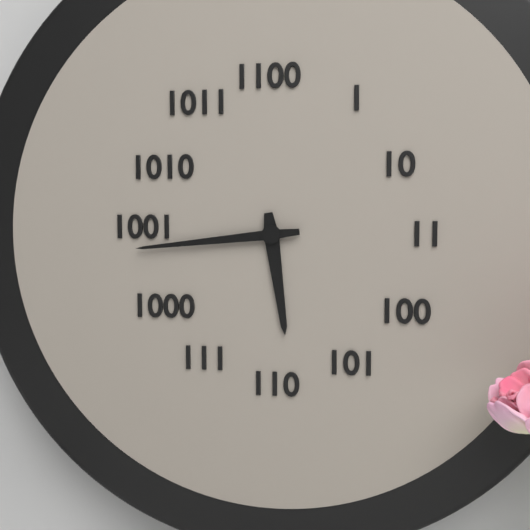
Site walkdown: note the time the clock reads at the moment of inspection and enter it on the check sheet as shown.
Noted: 5:44
